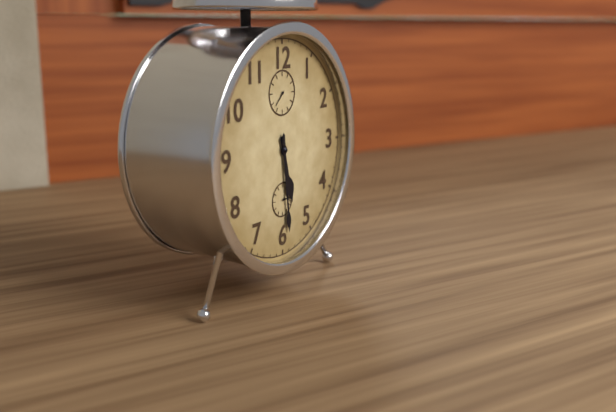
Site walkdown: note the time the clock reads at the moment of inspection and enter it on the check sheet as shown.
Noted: 5:29
